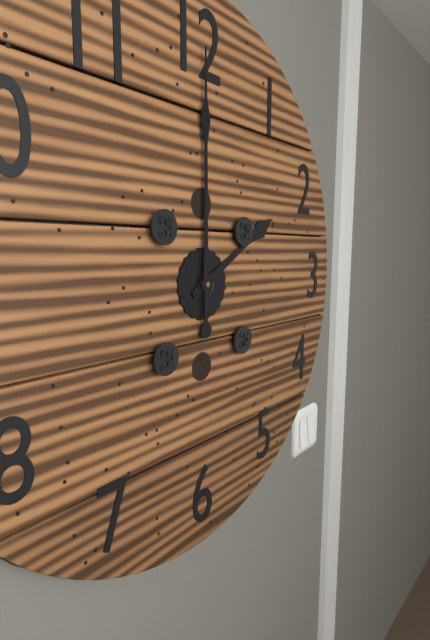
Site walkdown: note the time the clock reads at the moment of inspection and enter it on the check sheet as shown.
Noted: 2:00
